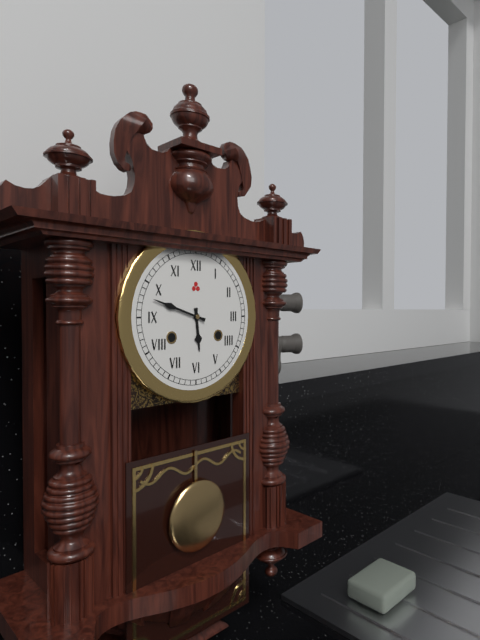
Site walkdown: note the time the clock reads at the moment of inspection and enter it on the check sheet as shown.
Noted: 5:48
